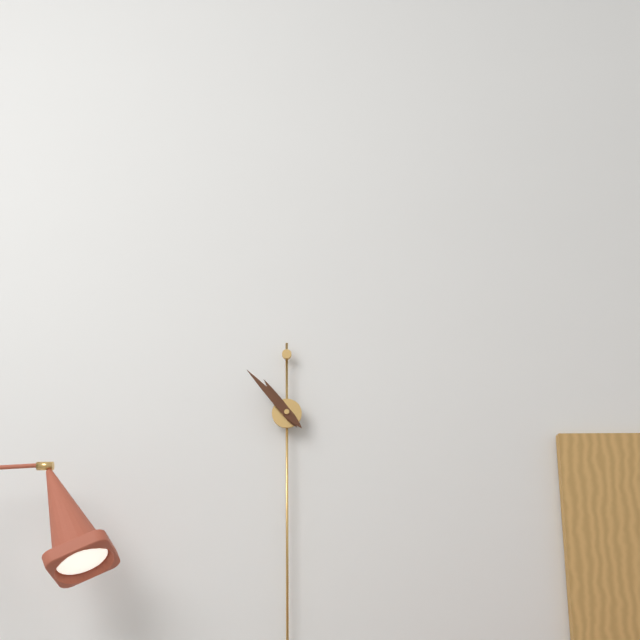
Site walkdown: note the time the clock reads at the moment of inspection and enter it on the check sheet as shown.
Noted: 10:53
